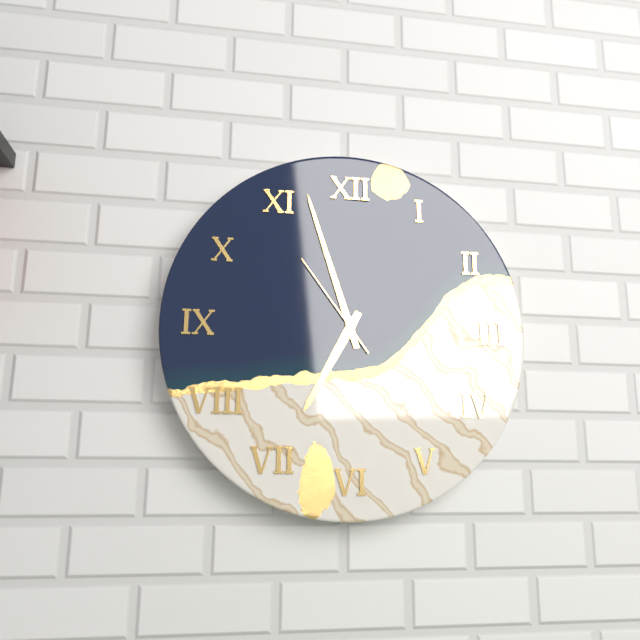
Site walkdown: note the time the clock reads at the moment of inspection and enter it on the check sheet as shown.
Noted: 6:57:54
